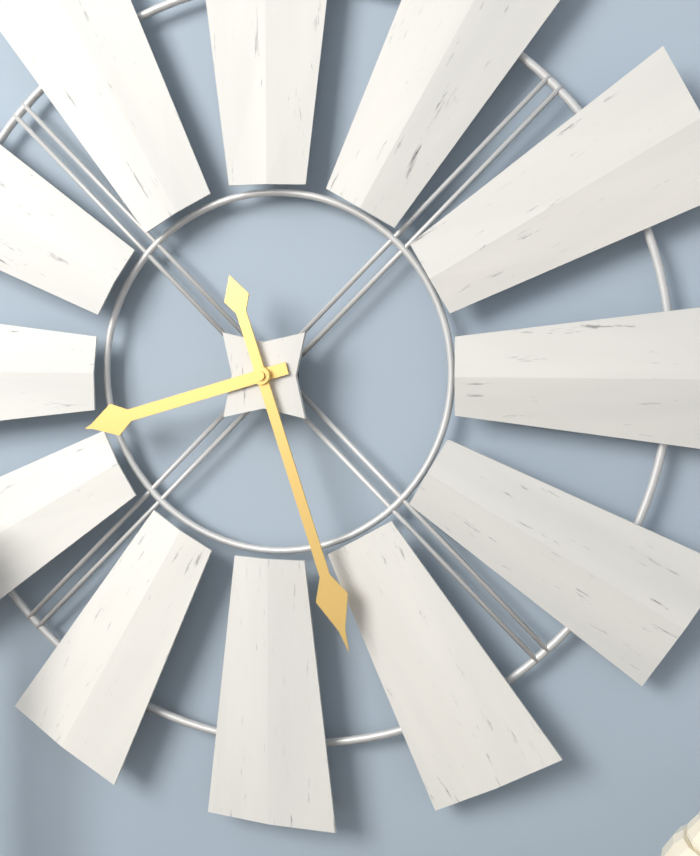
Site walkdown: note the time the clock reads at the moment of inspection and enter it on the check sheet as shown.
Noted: 8:27
